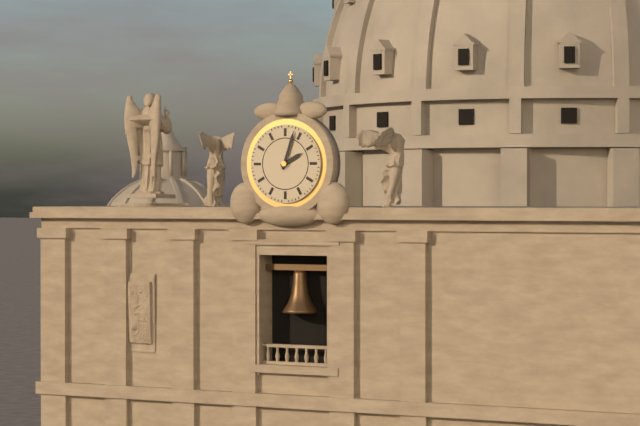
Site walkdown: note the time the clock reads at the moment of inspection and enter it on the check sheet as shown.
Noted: 2:03
